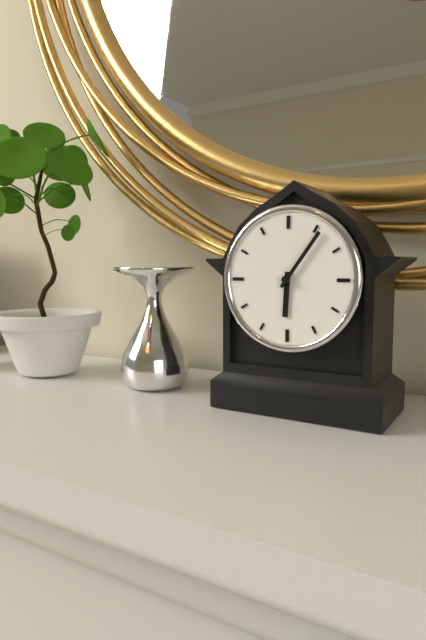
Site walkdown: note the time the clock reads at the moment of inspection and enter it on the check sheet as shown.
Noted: 6:06
